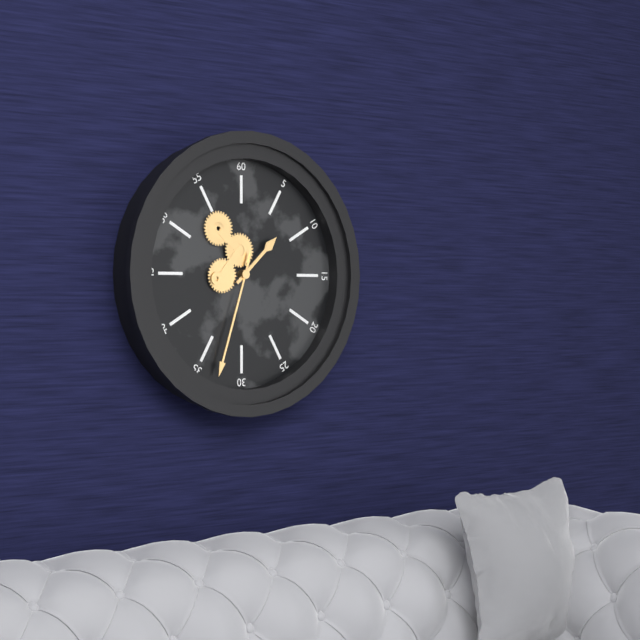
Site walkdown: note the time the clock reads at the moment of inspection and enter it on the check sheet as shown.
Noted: 1:33
